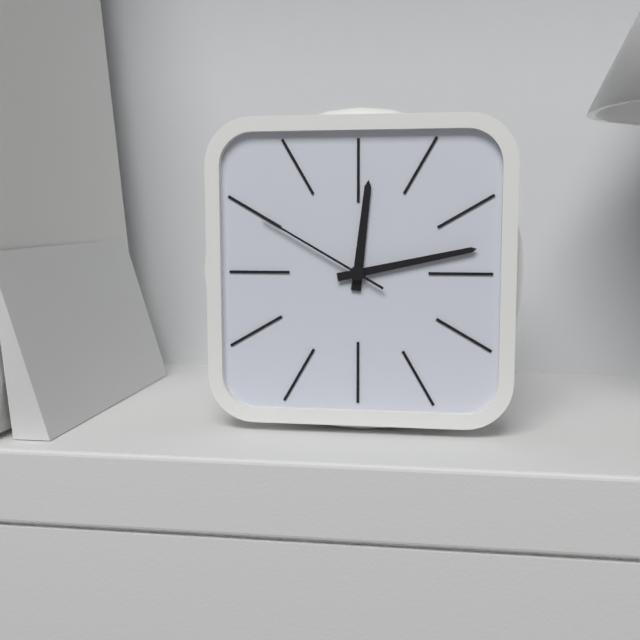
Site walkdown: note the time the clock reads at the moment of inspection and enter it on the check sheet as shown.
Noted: 12:13:50
